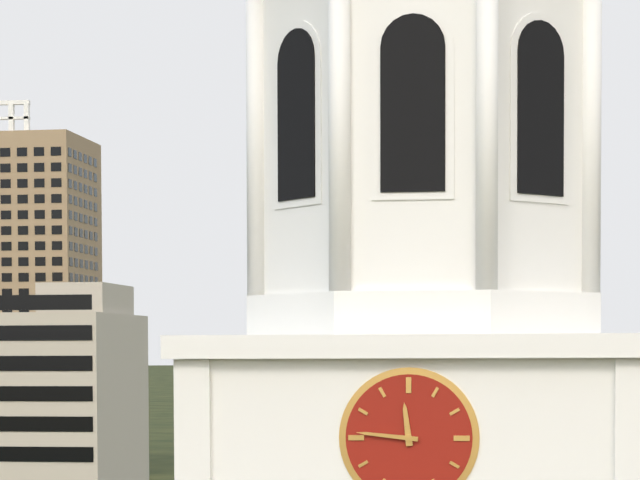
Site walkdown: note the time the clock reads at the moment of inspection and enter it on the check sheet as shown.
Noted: 11:46
